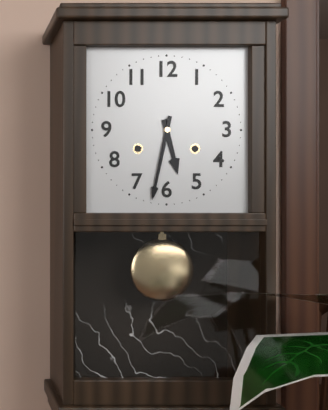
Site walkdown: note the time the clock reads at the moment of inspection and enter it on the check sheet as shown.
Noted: 5:32
